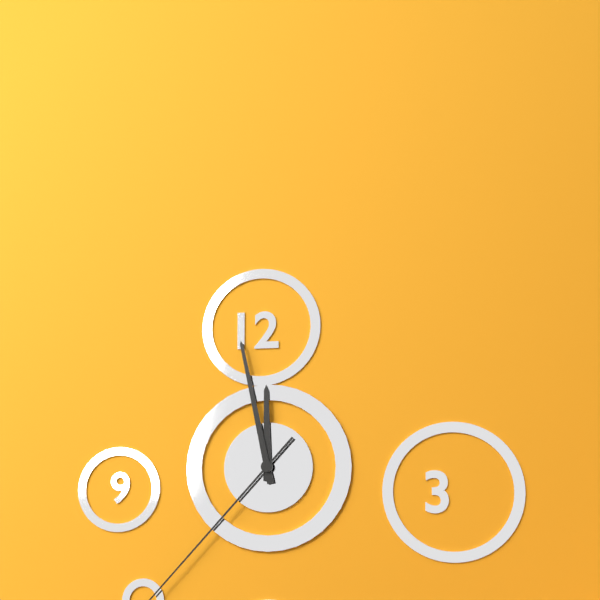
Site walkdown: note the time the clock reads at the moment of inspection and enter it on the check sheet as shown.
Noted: 11:58
